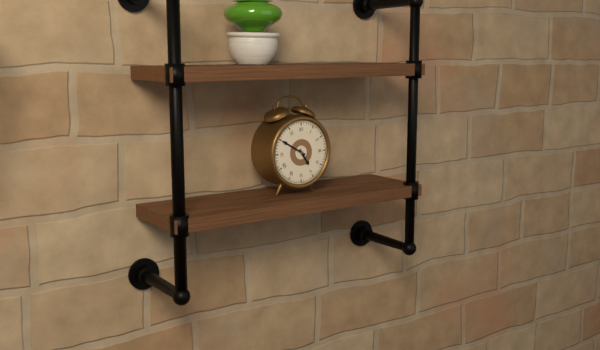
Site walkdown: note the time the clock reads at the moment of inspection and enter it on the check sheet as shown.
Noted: 4:50
